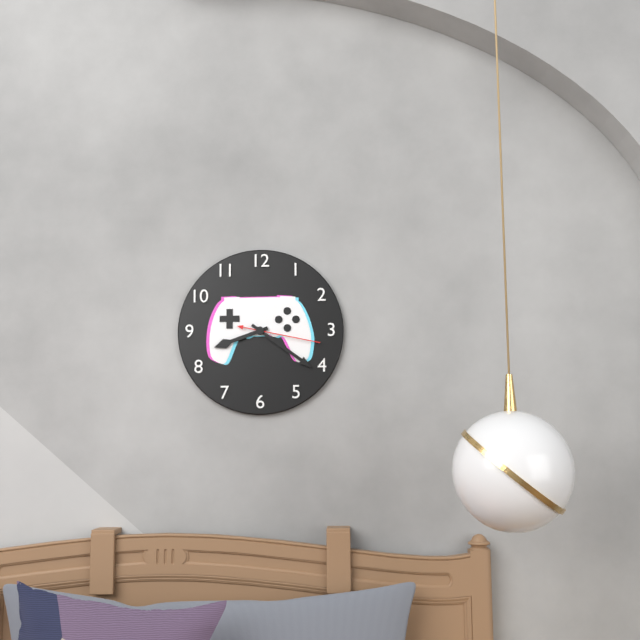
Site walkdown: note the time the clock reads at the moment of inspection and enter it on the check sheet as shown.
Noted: 8:21:17
